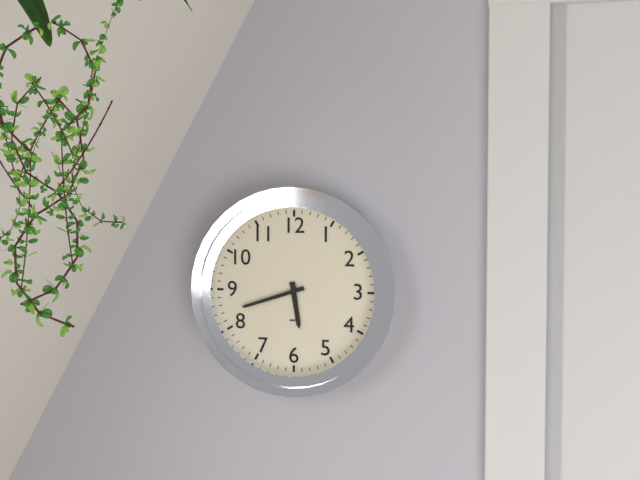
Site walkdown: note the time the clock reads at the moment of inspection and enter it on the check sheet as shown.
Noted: 5:42
